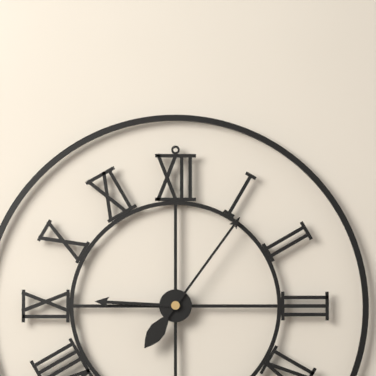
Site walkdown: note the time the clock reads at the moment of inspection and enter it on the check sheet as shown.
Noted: 9:06
